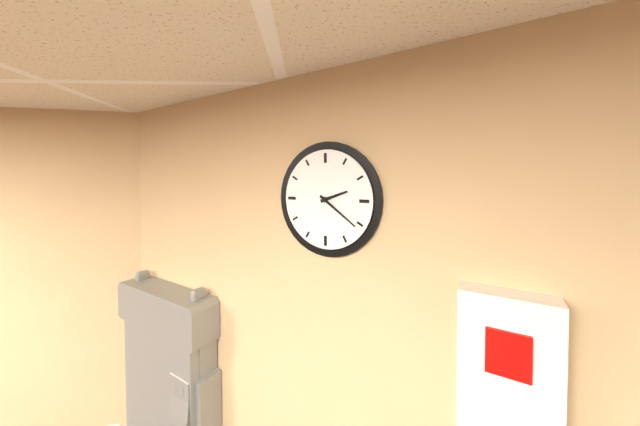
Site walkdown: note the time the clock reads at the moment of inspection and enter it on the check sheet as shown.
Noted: 2:21
